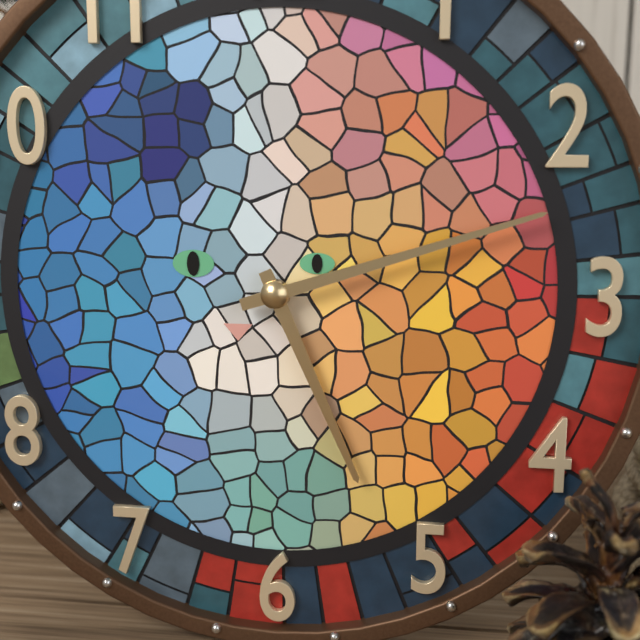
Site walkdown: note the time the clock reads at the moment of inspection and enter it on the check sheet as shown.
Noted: 5:12
